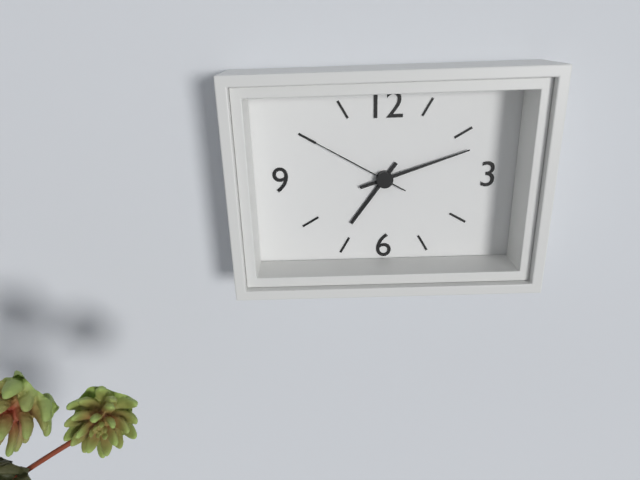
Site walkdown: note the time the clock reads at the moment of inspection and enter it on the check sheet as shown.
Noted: 7:12:50
